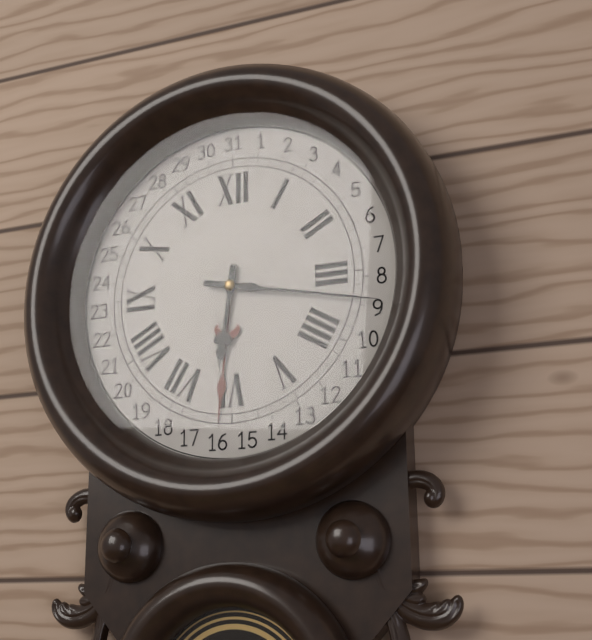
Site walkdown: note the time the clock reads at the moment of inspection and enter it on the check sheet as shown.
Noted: 6:17
